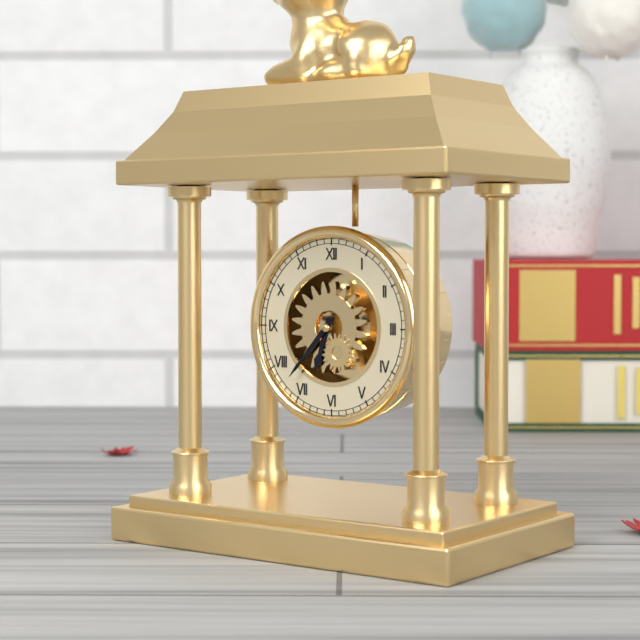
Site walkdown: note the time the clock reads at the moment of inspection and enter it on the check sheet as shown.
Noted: 6:37
